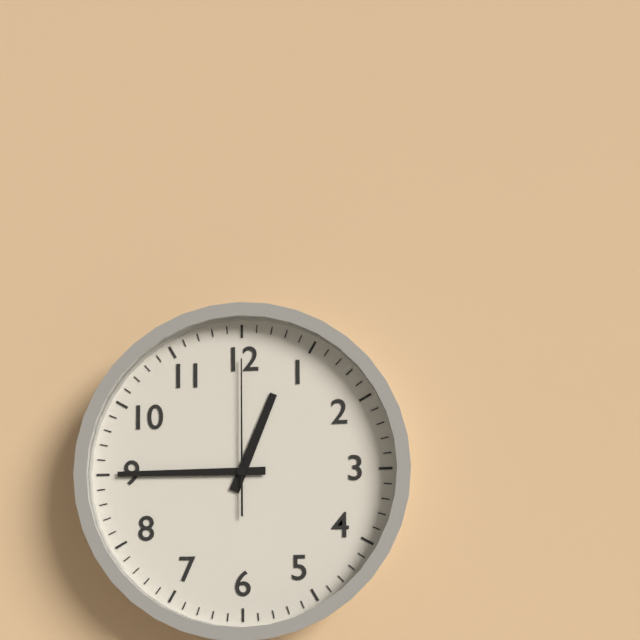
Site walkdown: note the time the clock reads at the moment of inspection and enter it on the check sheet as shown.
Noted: 12:45:00
